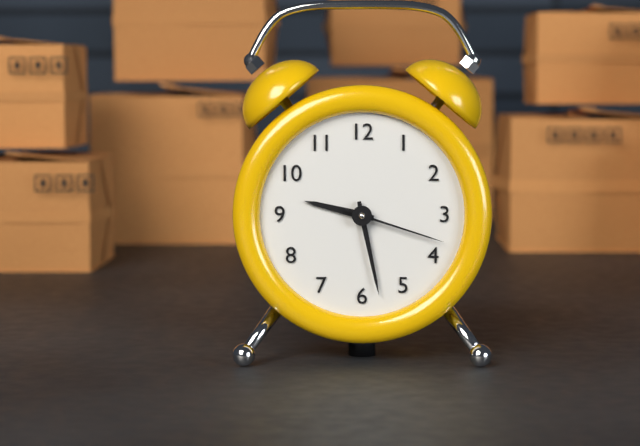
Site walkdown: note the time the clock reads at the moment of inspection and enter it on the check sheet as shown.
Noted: 9:28:18
